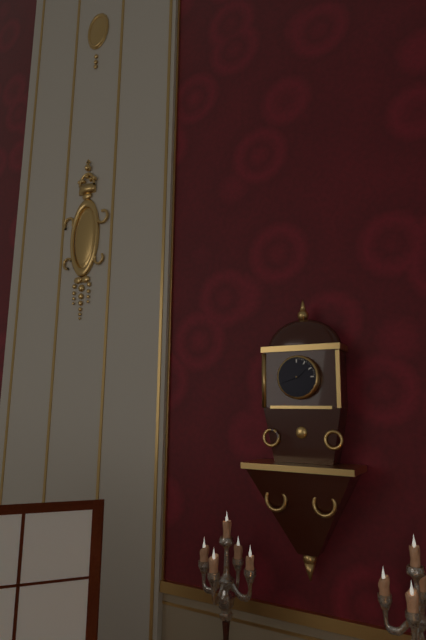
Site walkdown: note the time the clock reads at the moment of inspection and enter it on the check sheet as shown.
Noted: 1:42
